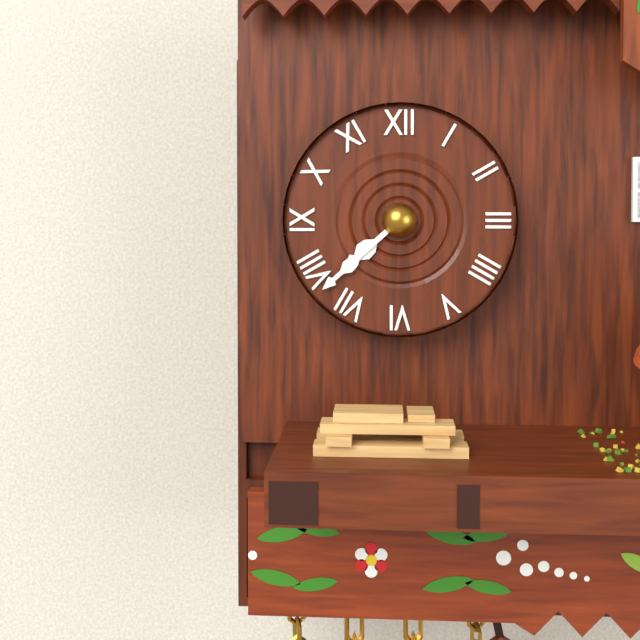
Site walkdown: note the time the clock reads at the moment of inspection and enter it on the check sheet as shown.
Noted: 7:38
